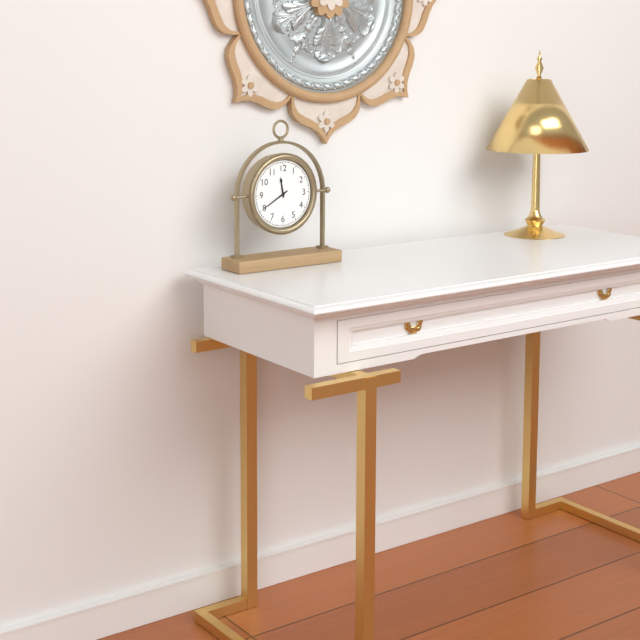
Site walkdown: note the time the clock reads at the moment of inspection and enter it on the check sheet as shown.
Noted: 11:40
